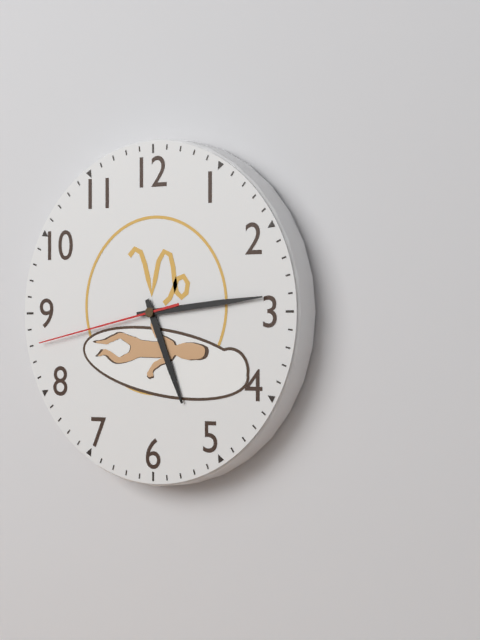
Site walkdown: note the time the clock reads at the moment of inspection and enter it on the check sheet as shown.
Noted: 5:14:43
